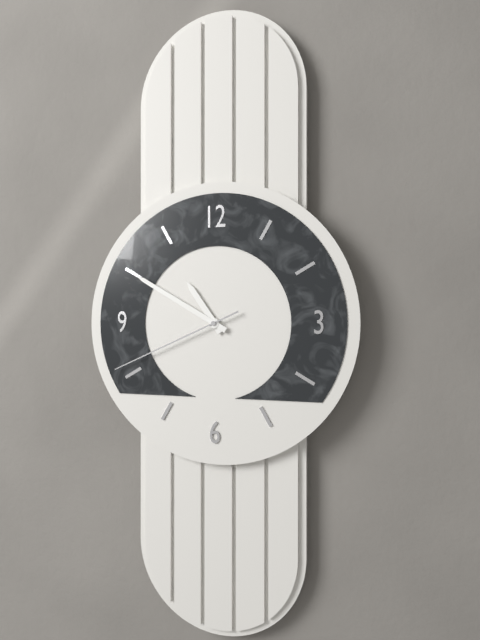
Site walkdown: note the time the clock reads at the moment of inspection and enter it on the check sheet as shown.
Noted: 10:50:41
